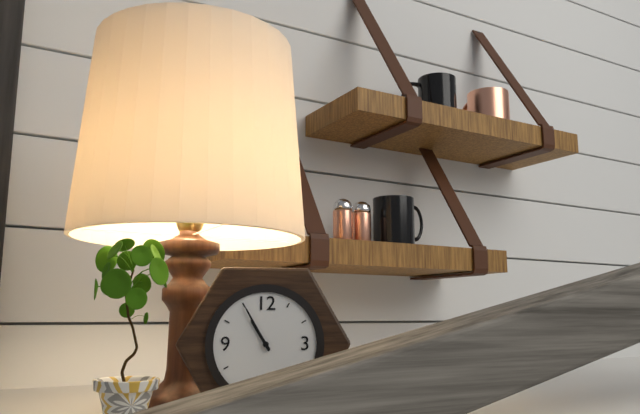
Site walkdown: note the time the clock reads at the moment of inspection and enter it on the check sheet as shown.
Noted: 10:55
